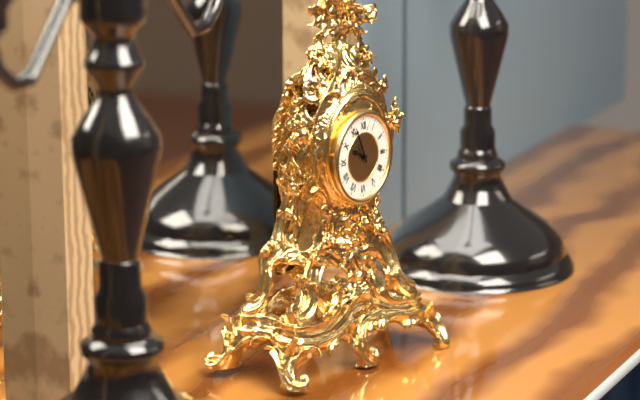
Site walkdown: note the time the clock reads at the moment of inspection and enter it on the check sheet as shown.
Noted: 9:56
